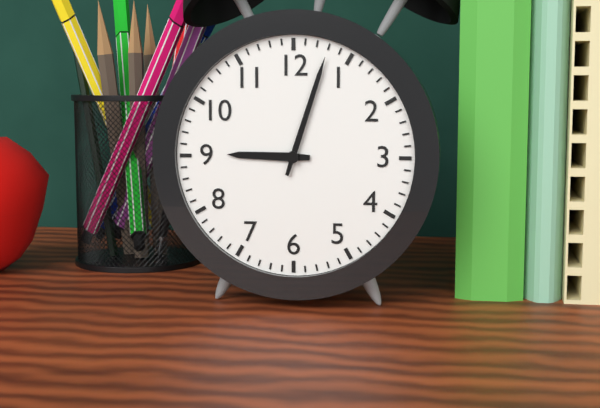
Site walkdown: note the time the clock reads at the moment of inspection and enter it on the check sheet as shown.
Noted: 9:03
